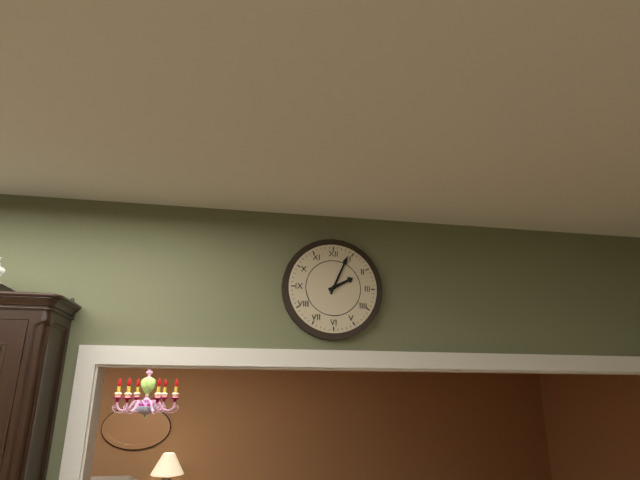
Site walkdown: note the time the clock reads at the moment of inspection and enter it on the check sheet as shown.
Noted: 2:04
